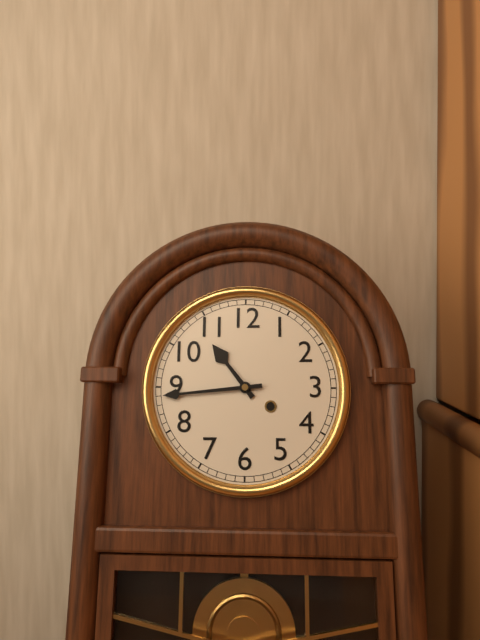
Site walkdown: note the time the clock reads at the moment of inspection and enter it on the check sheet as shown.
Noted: 10:44
